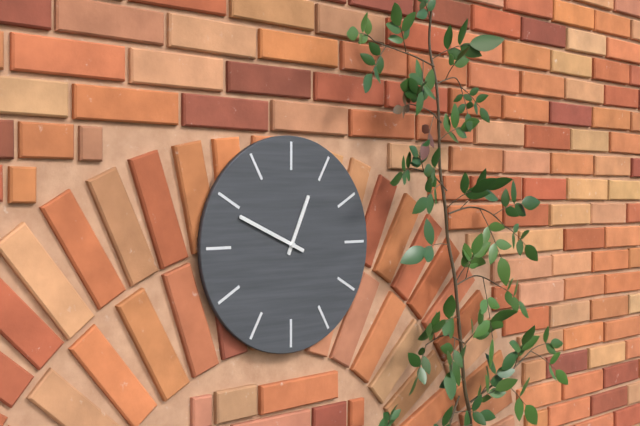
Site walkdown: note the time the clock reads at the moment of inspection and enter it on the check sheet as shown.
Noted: 12:49
